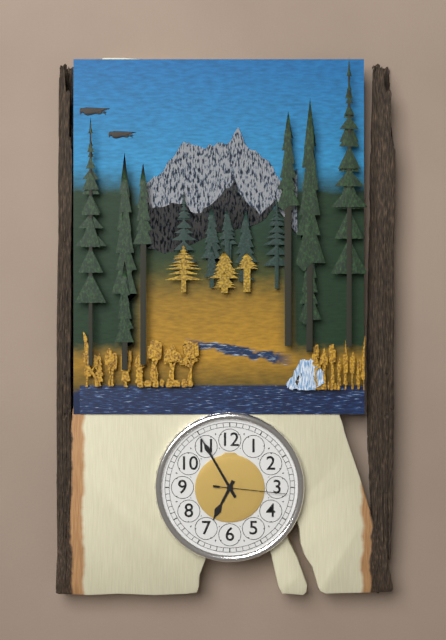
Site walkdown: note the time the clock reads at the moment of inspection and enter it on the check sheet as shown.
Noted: 6:55:16
